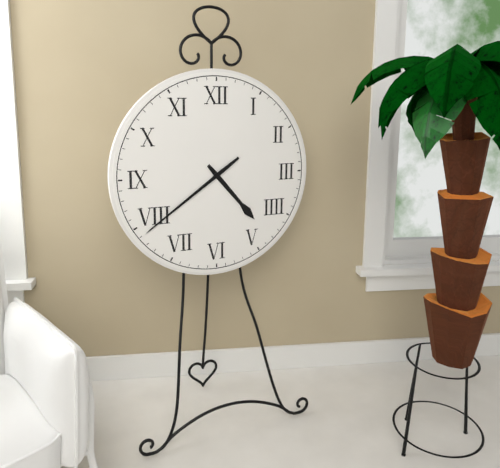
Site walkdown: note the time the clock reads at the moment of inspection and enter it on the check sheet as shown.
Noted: 4:39
